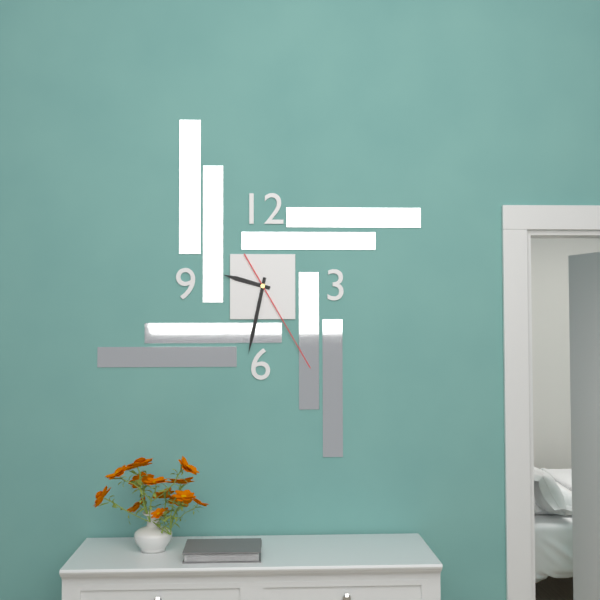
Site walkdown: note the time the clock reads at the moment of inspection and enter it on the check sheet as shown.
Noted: 9:32:25
